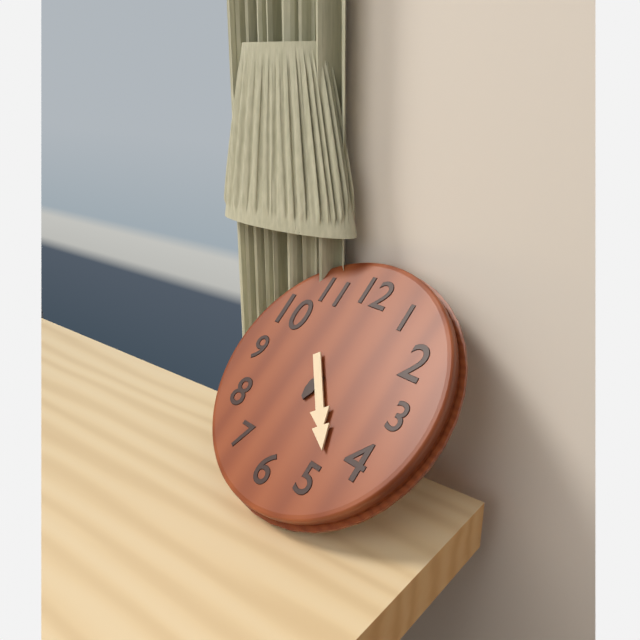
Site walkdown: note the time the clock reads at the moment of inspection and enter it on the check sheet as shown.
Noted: 6:23
